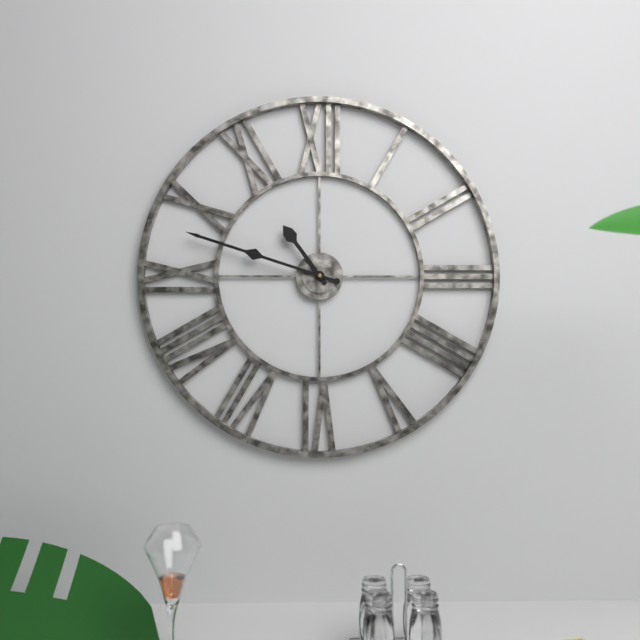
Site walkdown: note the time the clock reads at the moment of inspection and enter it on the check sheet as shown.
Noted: 10:48
